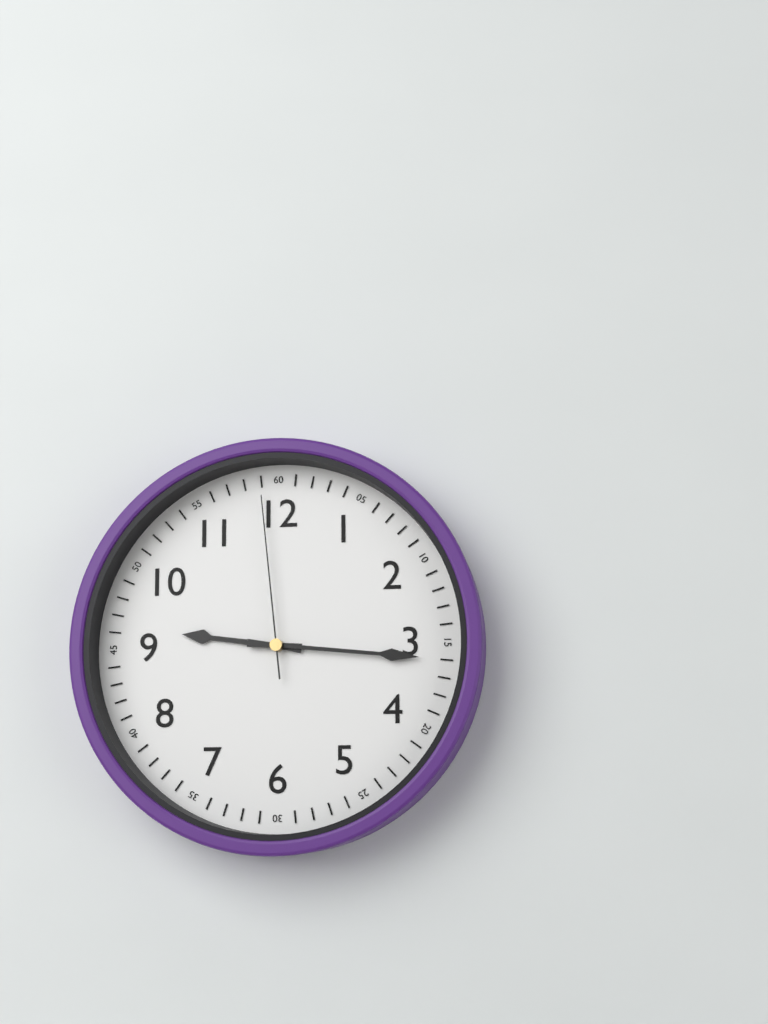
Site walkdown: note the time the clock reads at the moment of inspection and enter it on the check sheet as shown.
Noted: 9:16:59
